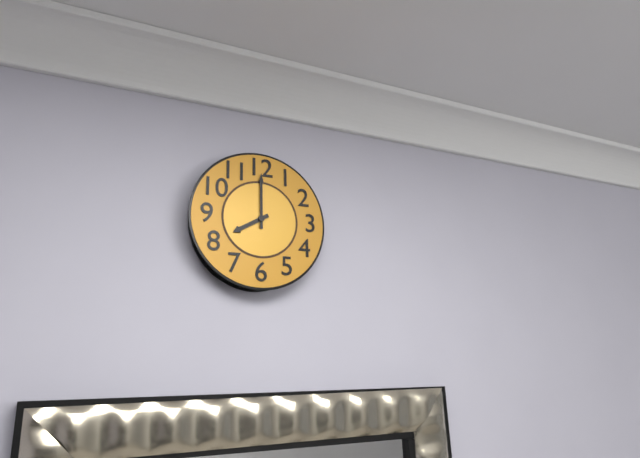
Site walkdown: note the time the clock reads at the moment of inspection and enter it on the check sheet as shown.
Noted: 8:00
